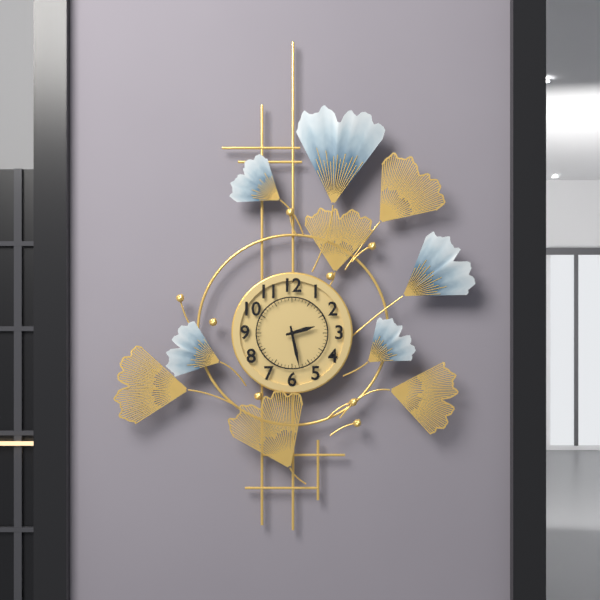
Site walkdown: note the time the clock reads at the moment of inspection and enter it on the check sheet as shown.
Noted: 2:28
